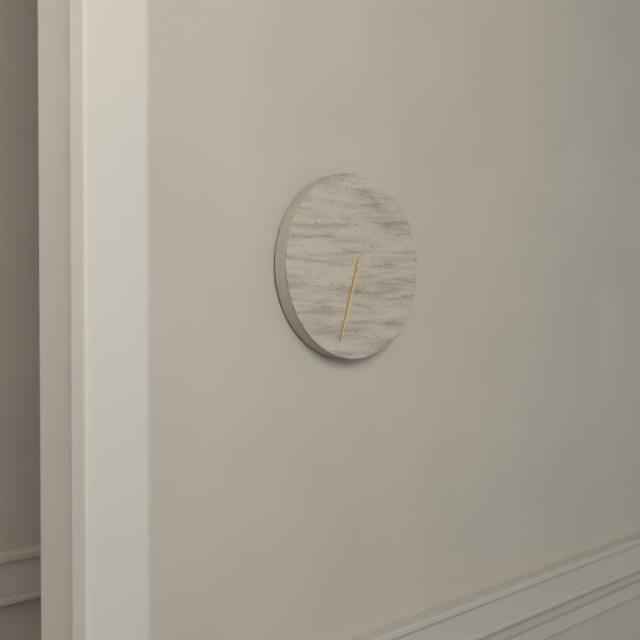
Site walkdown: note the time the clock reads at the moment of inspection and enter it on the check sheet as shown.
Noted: 6:33
